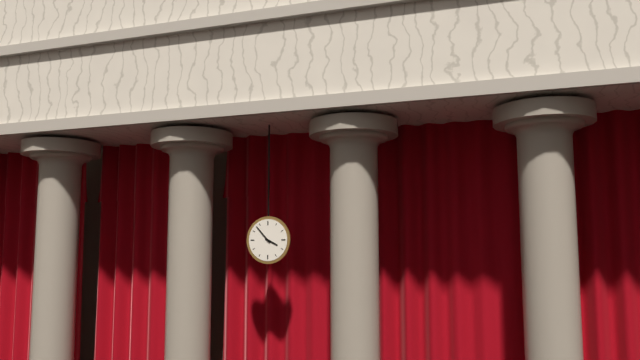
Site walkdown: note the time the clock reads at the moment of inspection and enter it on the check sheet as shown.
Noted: 3:53
